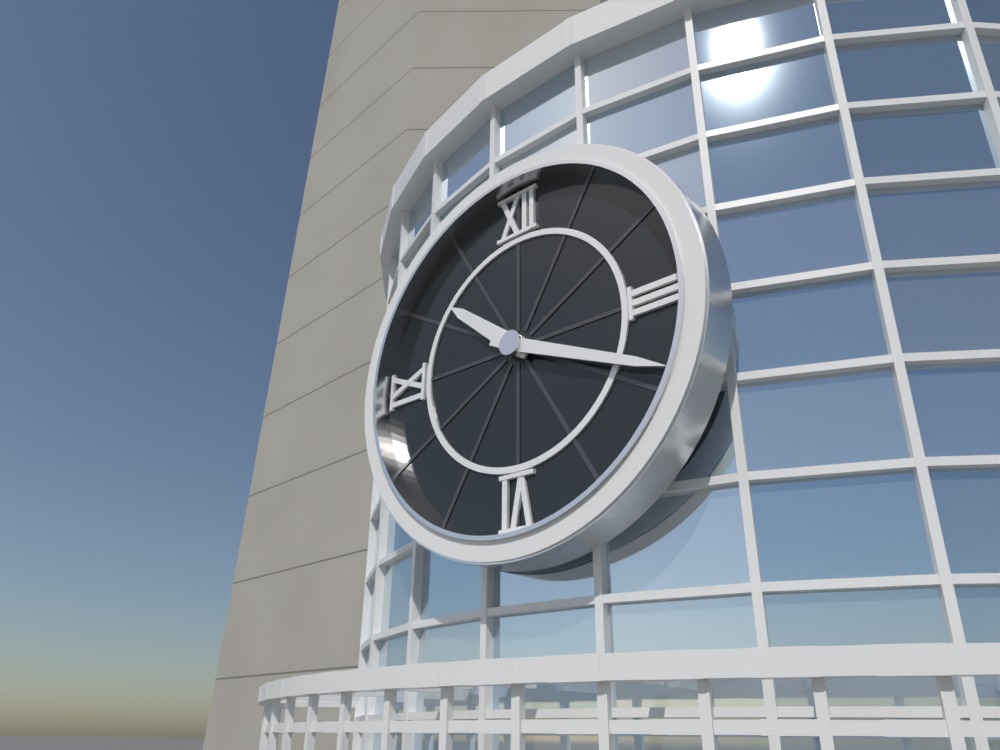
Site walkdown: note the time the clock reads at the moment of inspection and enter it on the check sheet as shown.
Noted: 10:19
